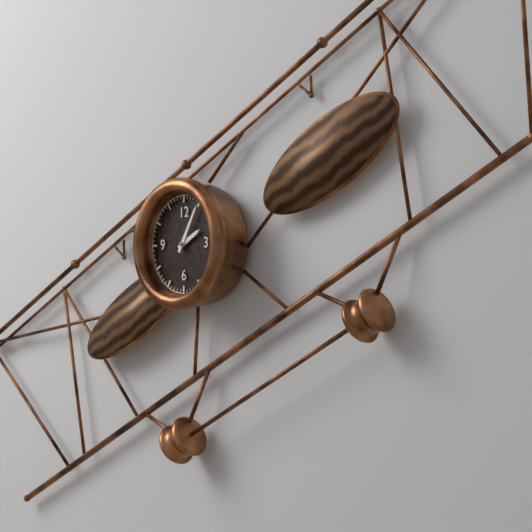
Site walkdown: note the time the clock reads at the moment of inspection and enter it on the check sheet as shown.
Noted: 2:05
